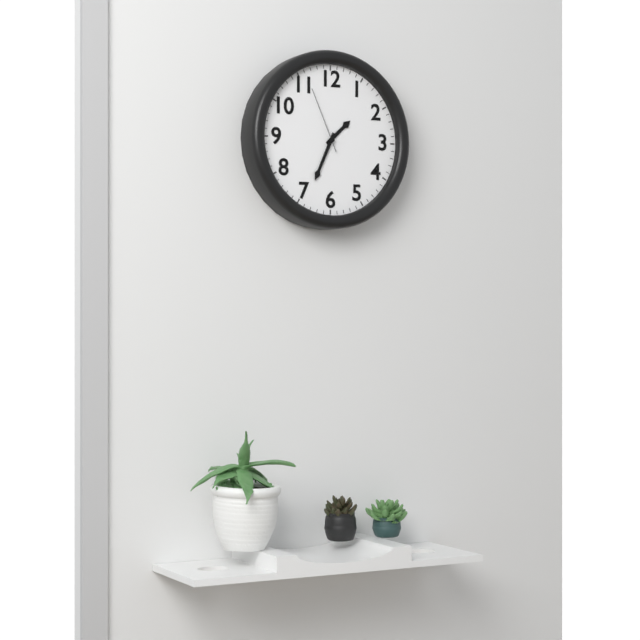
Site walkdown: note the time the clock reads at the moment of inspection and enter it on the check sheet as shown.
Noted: 1:34:56
